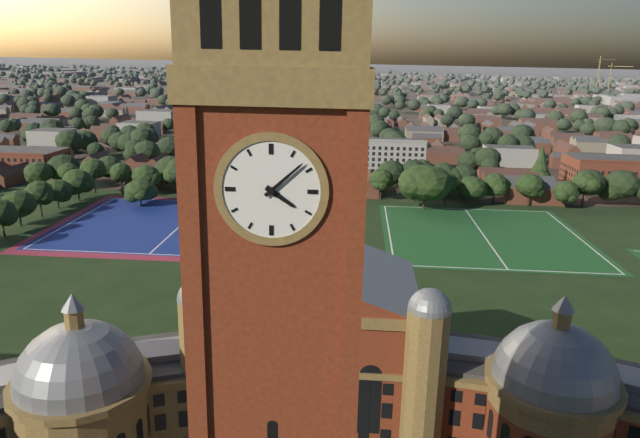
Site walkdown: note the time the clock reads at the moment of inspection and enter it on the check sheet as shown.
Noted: 4:08
